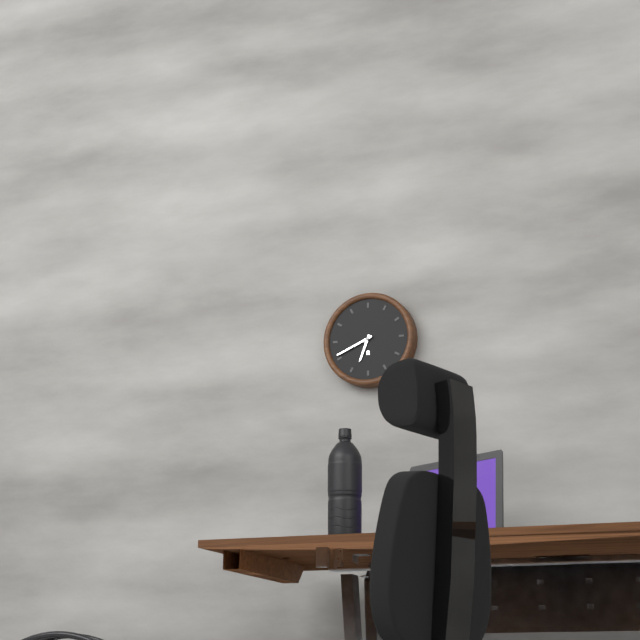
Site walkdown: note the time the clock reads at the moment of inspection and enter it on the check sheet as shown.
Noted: 6:41
